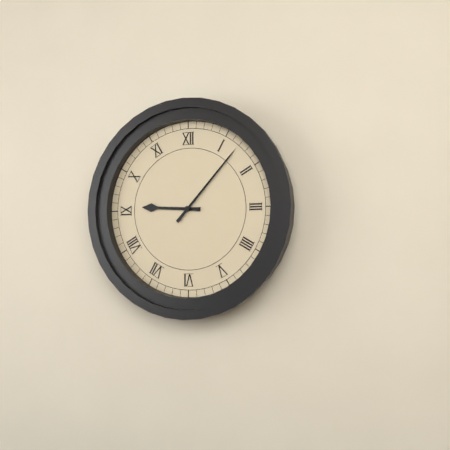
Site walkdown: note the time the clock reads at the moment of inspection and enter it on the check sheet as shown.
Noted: 9:07
